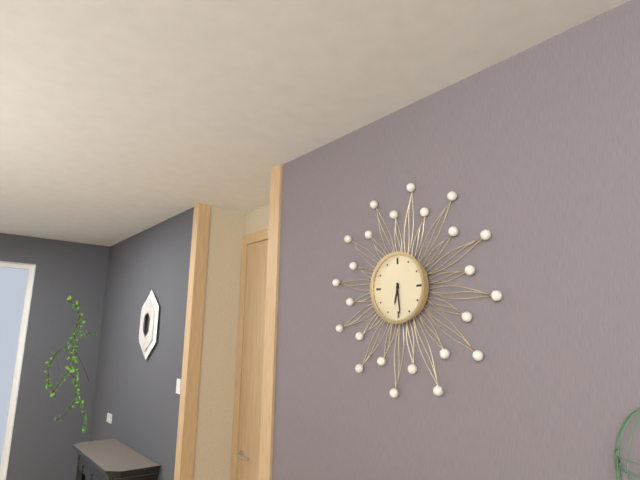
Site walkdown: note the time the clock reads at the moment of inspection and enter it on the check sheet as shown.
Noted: 6:29
